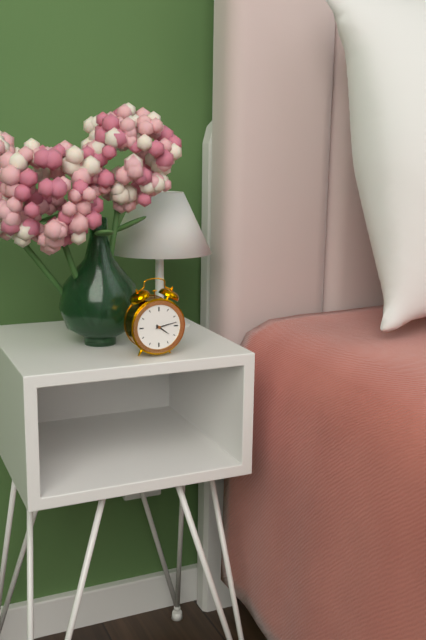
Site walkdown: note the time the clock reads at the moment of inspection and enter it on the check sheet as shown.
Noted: 4:13
